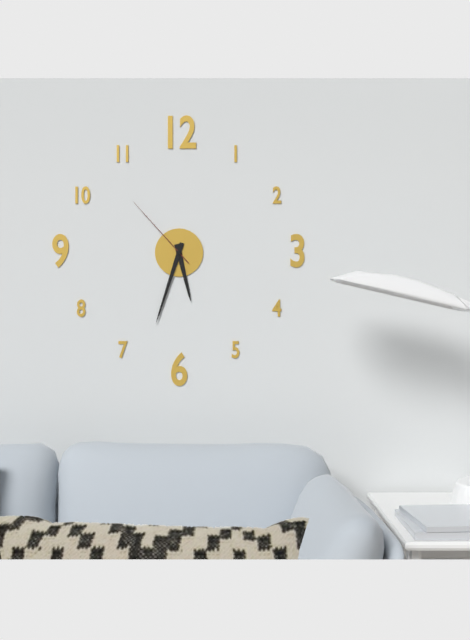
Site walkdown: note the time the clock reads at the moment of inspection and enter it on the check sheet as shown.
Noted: 5:33:53
